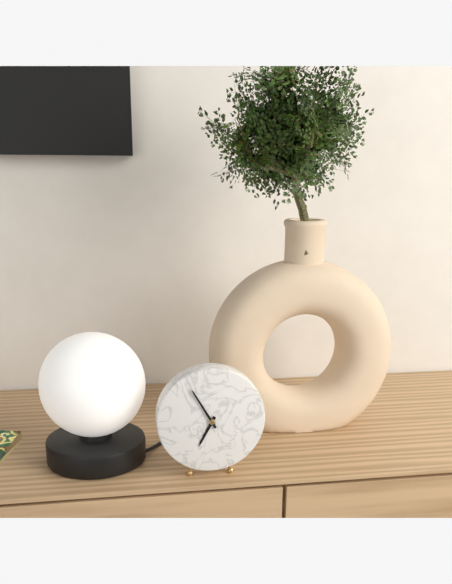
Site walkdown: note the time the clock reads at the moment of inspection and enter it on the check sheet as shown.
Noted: 6:55
